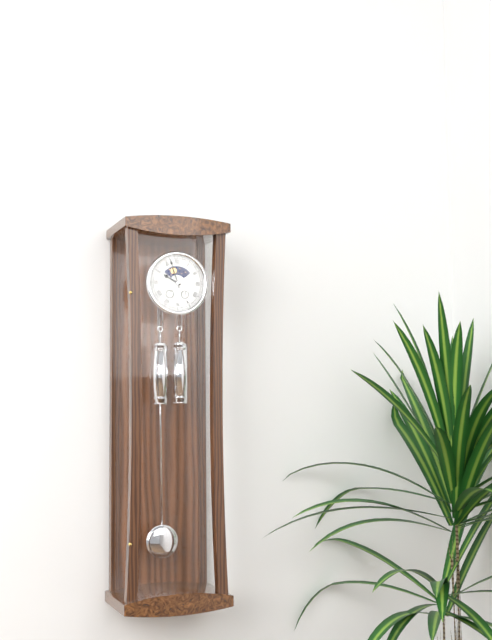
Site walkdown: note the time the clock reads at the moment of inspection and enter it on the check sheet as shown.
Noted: 9:57
